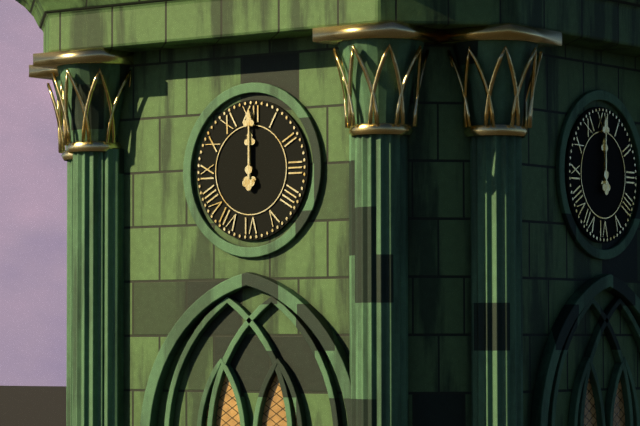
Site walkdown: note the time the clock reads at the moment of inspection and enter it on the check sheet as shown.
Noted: 12:00
